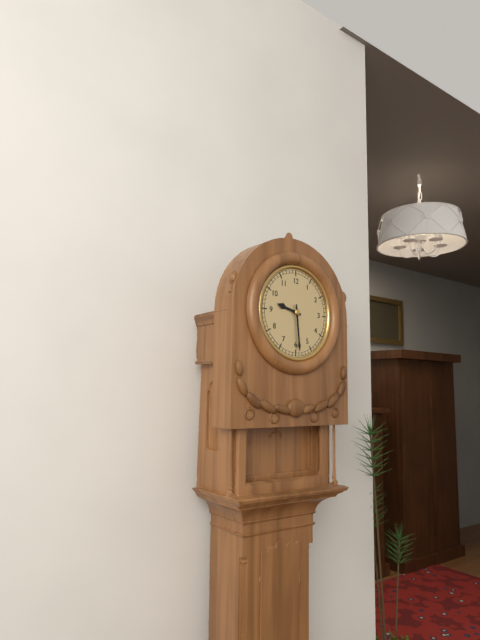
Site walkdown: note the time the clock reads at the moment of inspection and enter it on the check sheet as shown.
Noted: 9:29
